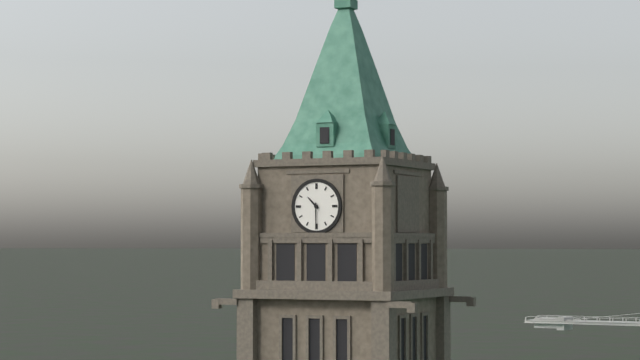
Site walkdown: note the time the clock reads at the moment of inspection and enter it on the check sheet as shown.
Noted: 10:30
